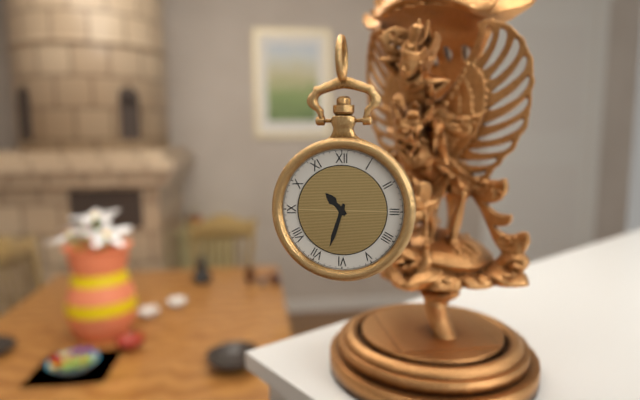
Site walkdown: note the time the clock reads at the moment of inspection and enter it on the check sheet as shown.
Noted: 10:33
